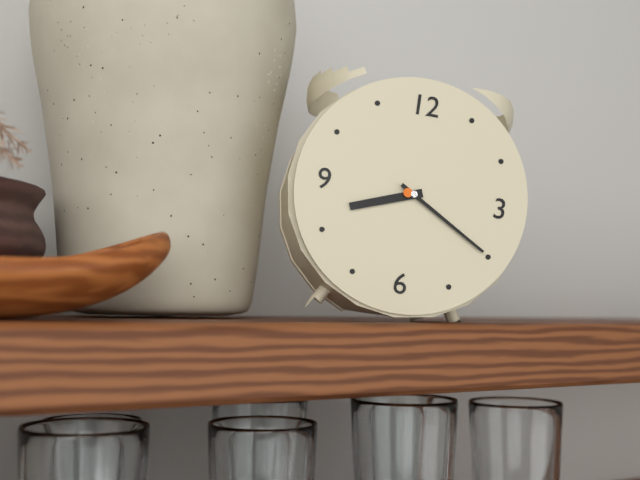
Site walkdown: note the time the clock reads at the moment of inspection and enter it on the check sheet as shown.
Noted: 8:20
